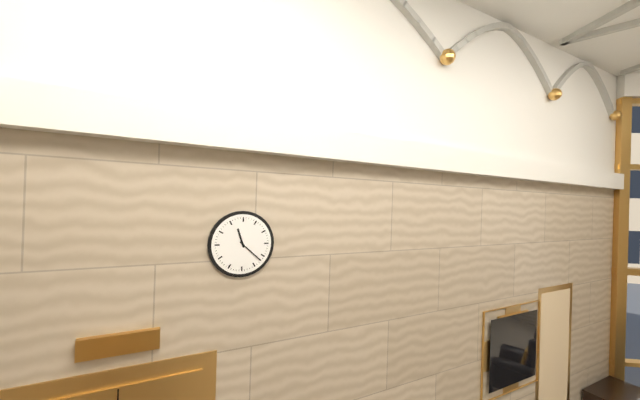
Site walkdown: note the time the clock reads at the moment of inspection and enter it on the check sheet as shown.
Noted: 11:22
